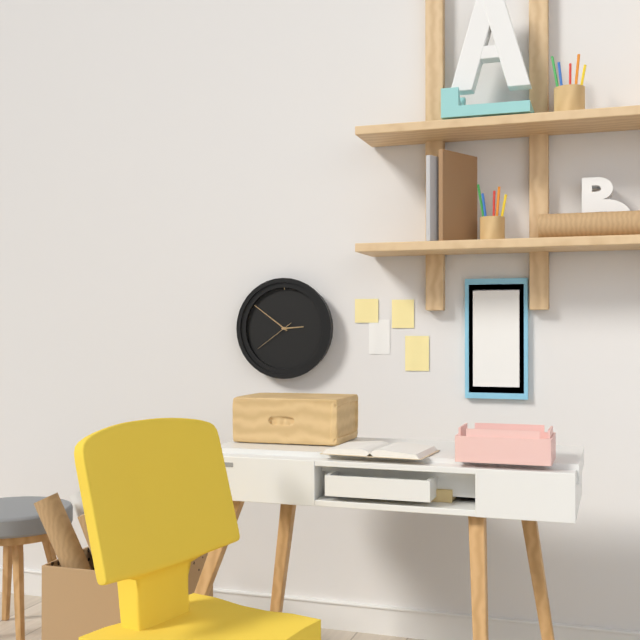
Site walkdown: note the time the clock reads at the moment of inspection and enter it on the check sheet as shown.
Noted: 2:51
